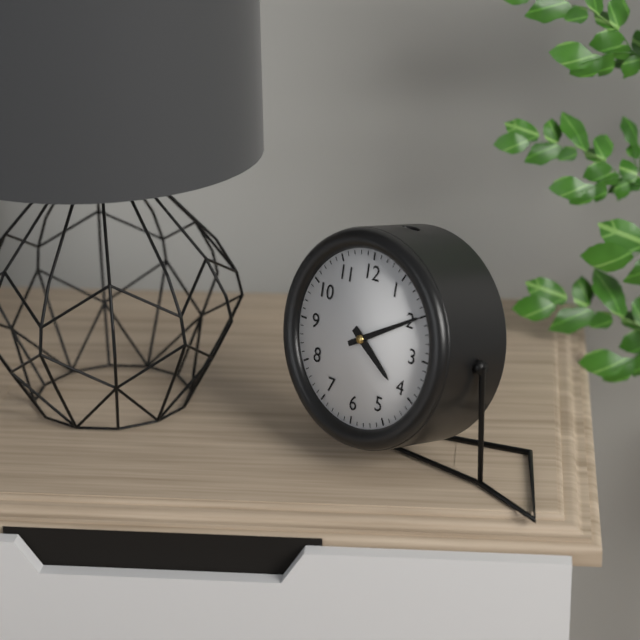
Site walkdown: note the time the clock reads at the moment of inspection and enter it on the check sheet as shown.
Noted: 4:10
